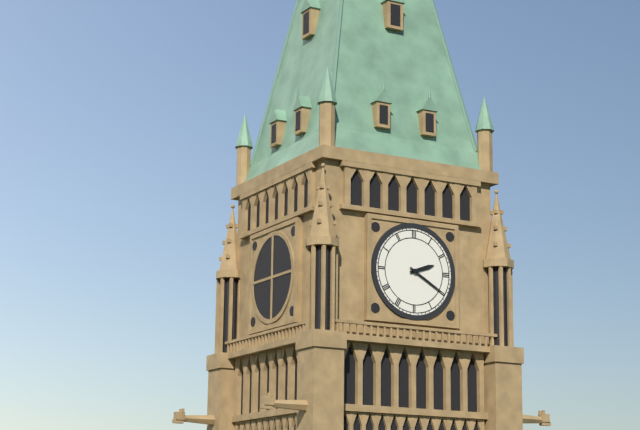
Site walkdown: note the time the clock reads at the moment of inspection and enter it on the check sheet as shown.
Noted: 2:20
